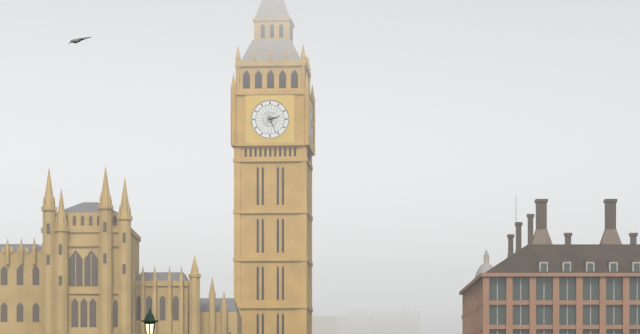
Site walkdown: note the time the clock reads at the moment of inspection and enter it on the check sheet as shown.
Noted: 2:26
